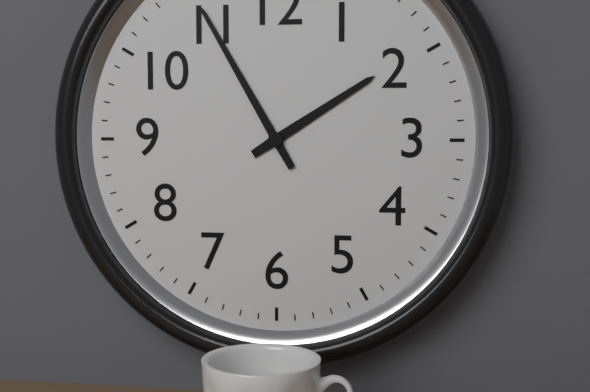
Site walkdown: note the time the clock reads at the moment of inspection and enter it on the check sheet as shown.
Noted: 1:55
